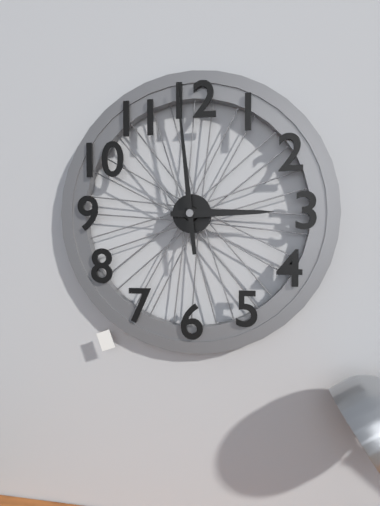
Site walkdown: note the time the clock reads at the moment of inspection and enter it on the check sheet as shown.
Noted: 2:59
